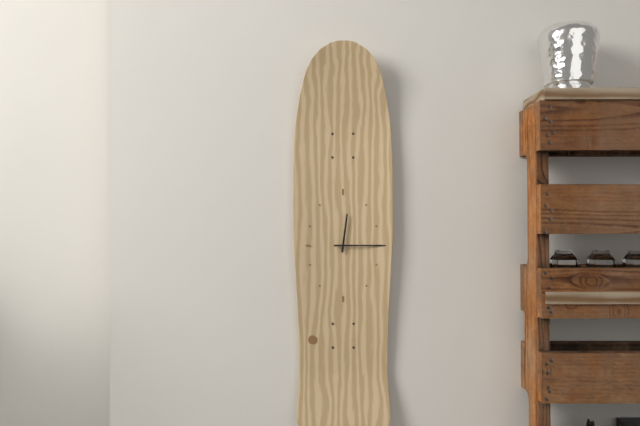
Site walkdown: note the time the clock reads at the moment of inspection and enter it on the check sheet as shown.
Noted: 12:15
